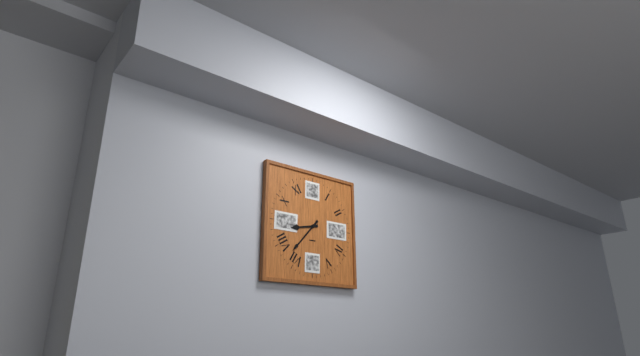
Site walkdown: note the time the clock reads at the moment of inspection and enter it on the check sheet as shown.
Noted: 8:37
